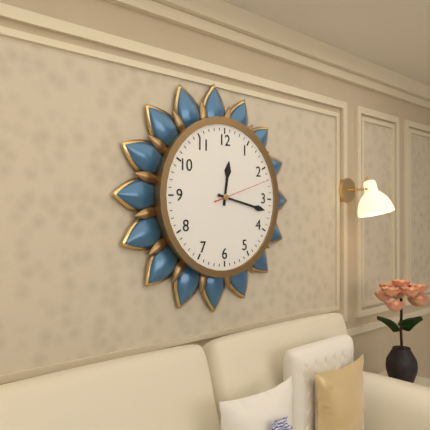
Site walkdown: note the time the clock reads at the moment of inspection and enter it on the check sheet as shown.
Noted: 12:17:12
